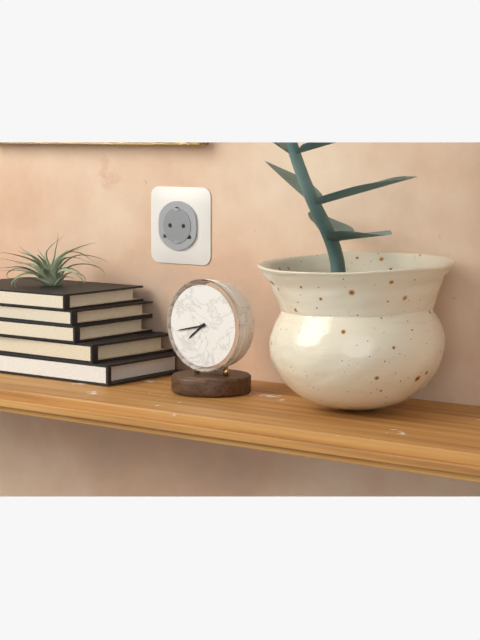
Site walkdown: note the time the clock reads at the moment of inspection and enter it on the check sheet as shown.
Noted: 7:43
